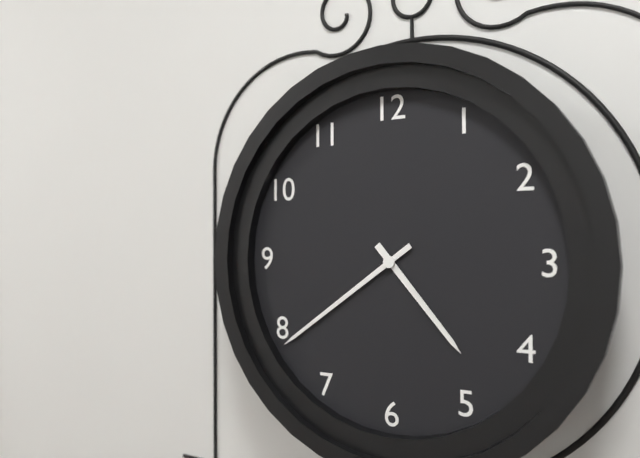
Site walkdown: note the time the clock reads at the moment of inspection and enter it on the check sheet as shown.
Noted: 4:39
